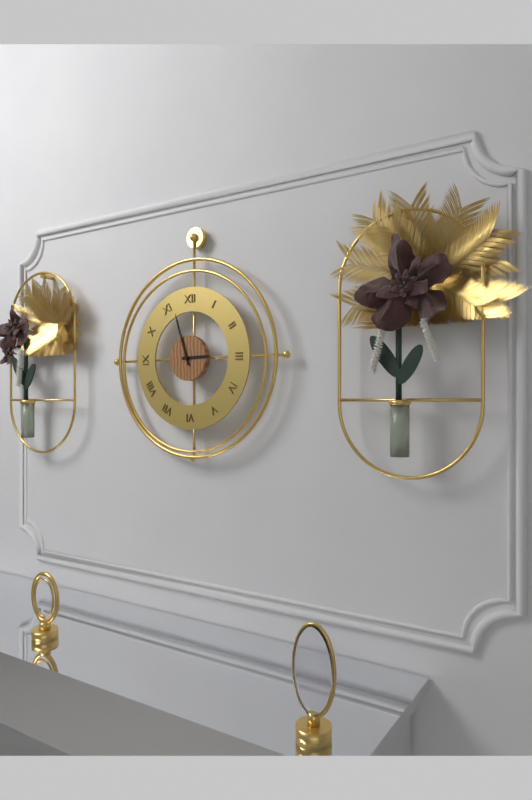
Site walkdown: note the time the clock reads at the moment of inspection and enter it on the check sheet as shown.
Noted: 2:57
